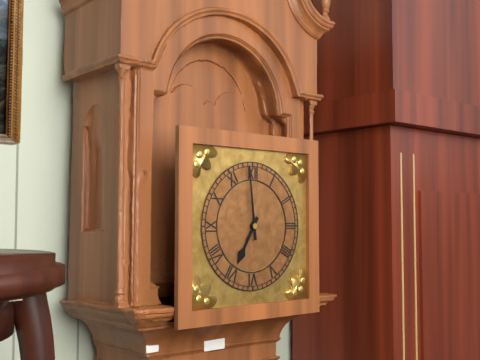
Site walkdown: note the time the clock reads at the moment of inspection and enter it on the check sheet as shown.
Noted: 6:59
